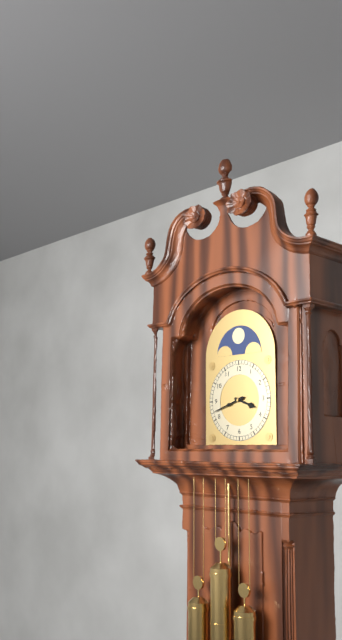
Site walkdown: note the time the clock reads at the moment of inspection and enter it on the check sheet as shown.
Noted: 3:42
